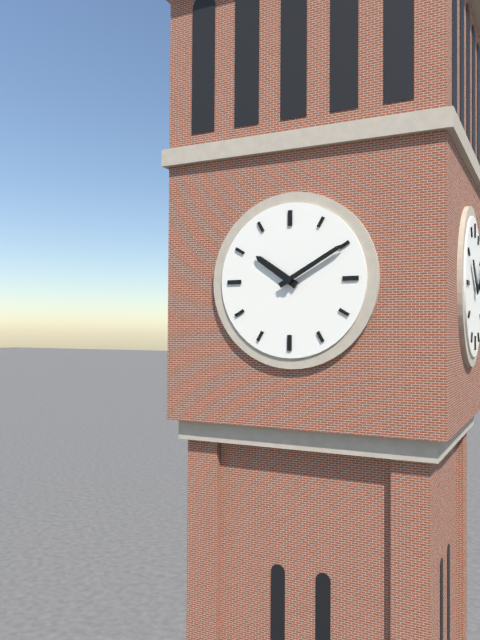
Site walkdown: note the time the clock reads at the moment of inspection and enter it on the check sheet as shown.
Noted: 10:10
